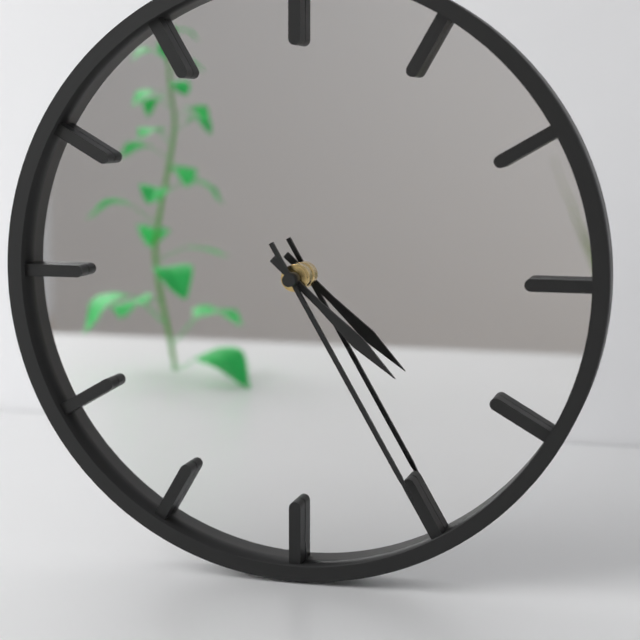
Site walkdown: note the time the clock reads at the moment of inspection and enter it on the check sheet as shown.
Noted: 4:25
